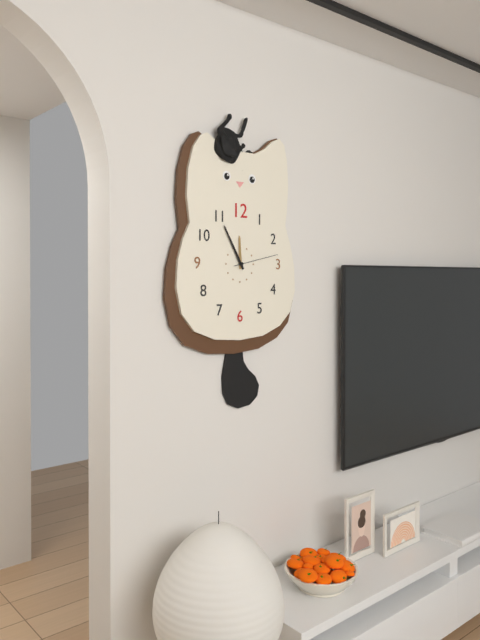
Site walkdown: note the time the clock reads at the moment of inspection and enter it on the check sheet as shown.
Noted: 11:55:13
